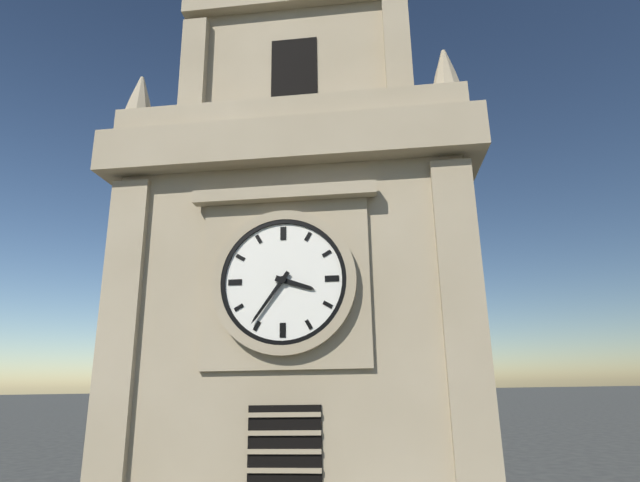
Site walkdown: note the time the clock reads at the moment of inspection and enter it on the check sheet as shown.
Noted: 3:36
